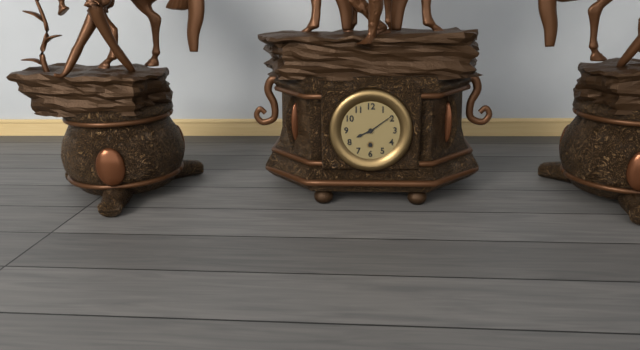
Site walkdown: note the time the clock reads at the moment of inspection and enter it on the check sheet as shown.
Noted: 8:09
